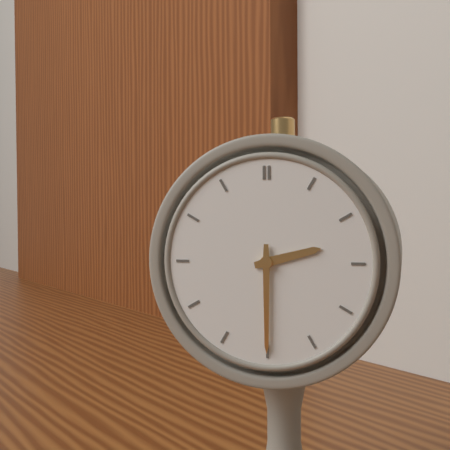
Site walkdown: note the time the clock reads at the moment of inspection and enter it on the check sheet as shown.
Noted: 2:30
